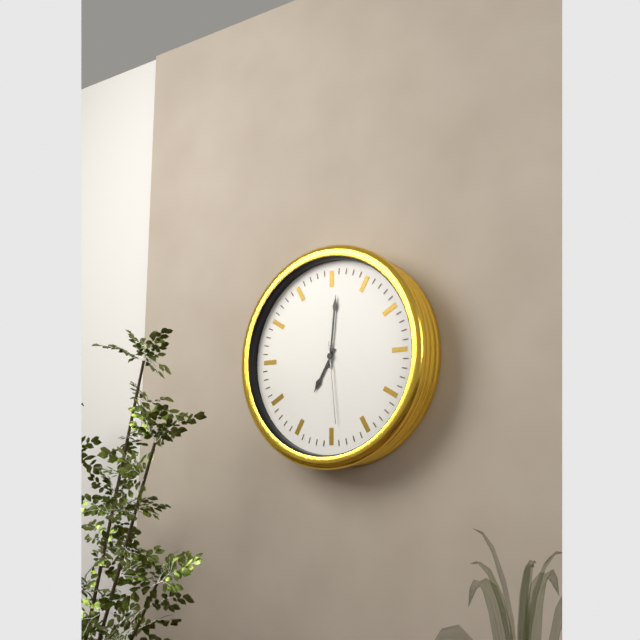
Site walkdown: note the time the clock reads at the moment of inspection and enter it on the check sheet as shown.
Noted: 7:01:29
